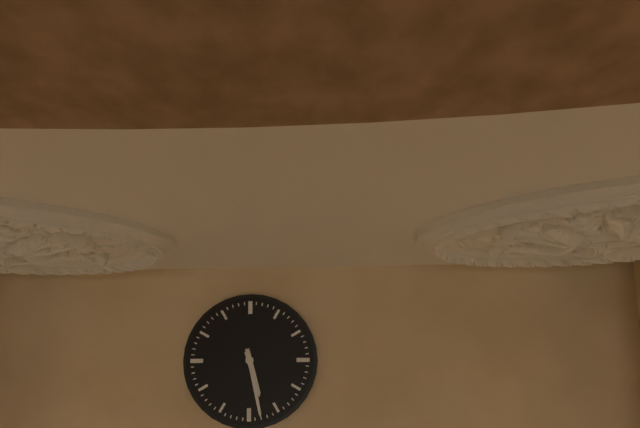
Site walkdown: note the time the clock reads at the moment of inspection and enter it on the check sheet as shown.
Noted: 5:28
